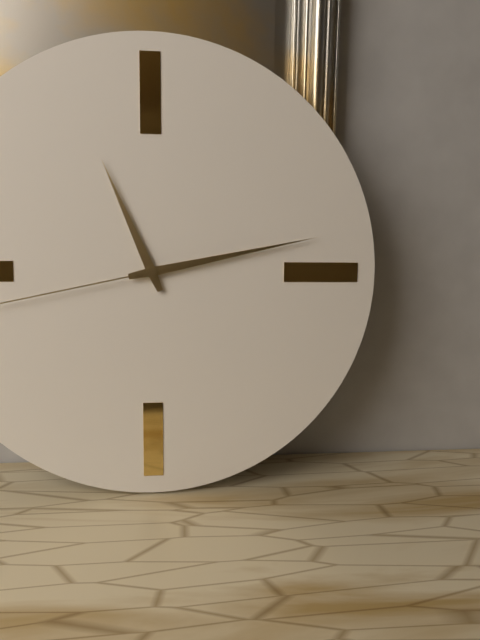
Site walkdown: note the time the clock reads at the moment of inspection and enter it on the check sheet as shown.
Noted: 11:13
